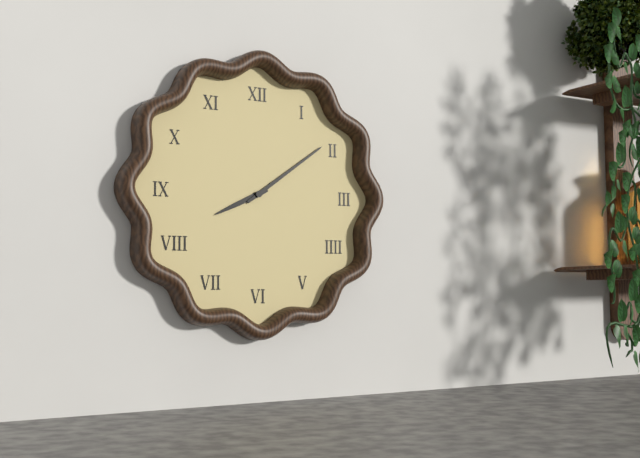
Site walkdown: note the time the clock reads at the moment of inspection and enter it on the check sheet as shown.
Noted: 8:09
